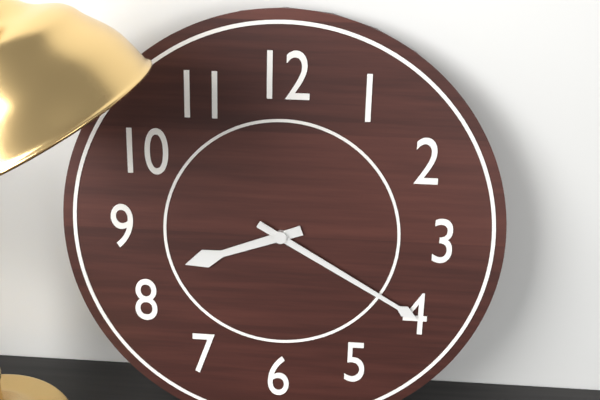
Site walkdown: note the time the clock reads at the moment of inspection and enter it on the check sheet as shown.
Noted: 8:20
